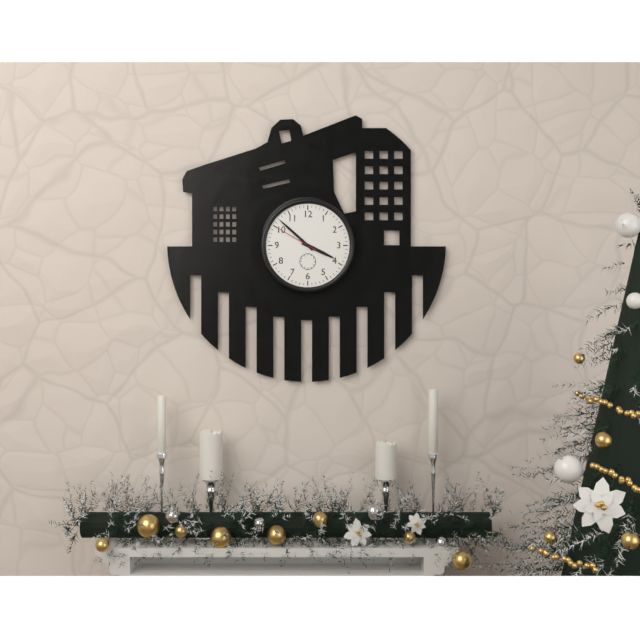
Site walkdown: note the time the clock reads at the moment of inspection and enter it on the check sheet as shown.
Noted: 3:52
